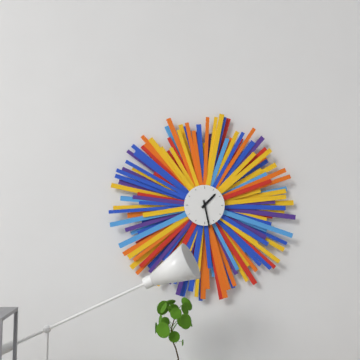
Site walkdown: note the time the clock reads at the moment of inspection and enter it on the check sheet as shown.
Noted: 1:28
